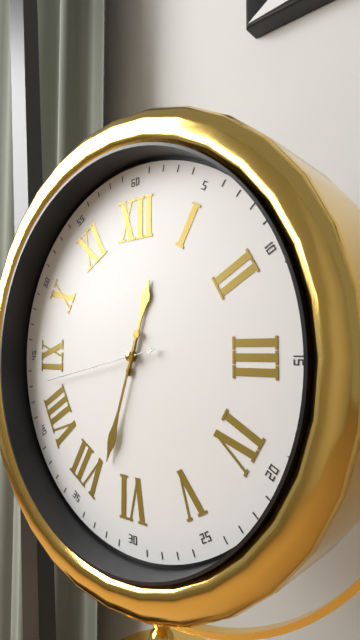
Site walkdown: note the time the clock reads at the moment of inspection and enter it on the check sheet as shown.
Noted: 12:33:43
